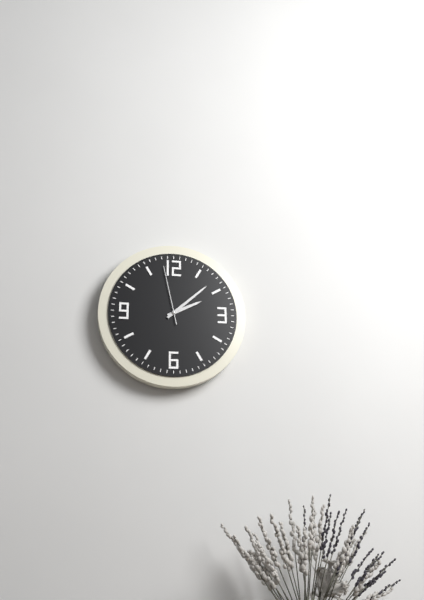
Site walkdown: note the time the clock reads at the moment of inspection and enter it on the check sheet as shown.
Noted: 2:08:58
